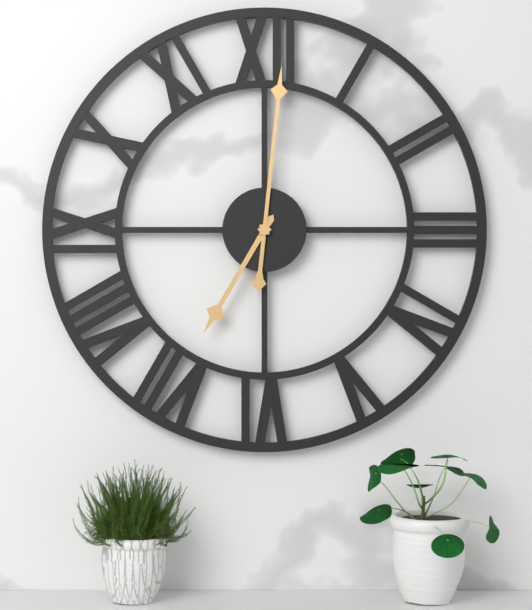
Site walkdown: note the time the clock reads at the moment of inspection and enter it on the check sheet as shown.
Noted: 7:01
